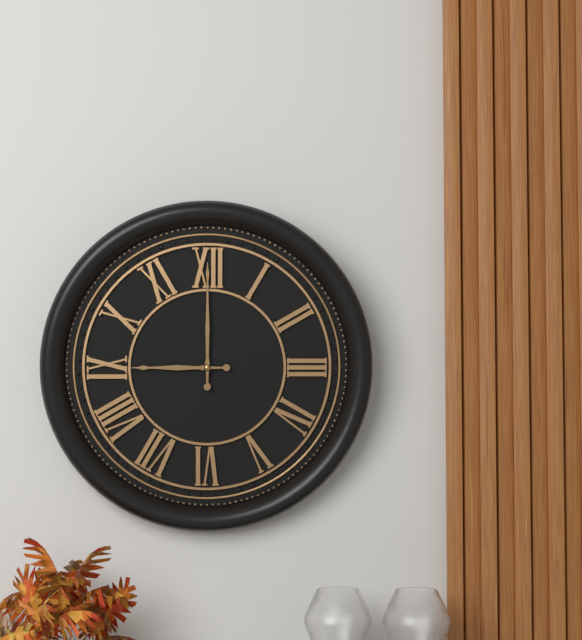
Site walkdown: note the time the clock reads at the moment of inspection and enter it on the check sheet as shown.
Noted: 9:00
